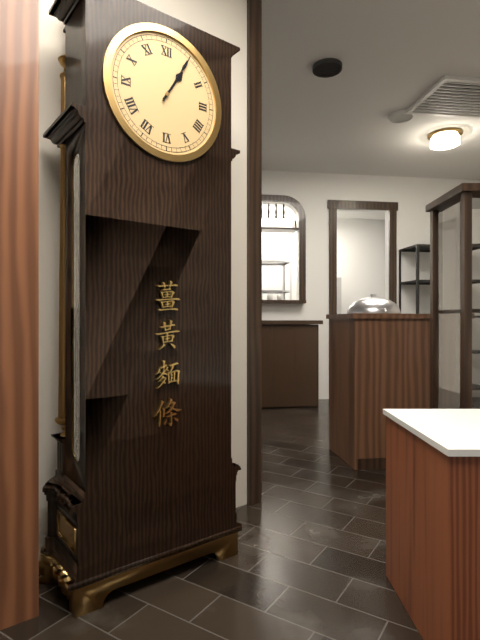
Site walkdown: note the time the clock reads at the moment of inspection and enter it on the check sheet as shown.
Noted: 1:05
